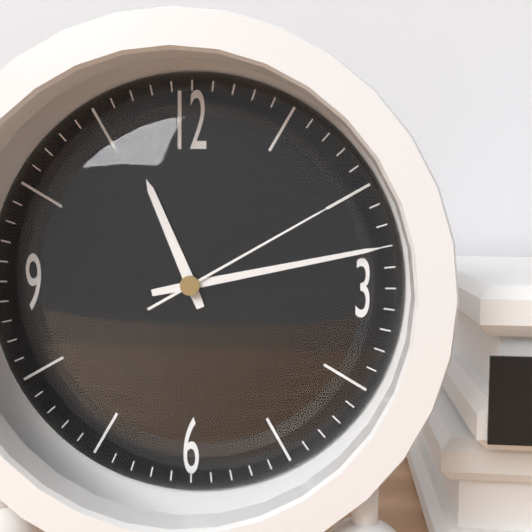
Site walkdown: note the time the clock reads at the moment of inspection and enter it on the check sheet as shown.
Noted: 11:13:10
